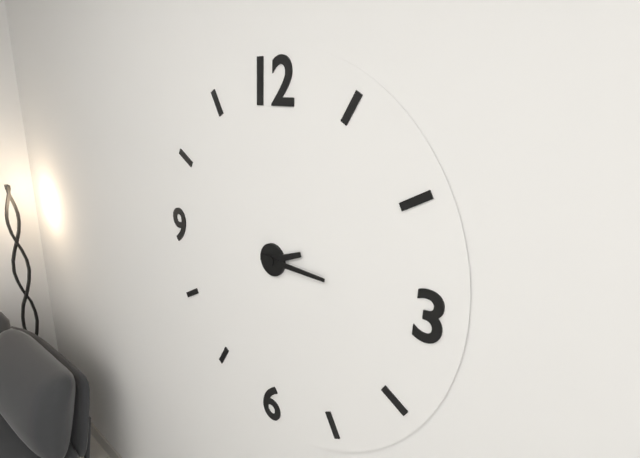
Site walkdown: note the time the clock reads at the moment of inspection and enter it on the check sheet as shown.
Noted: 2:15
